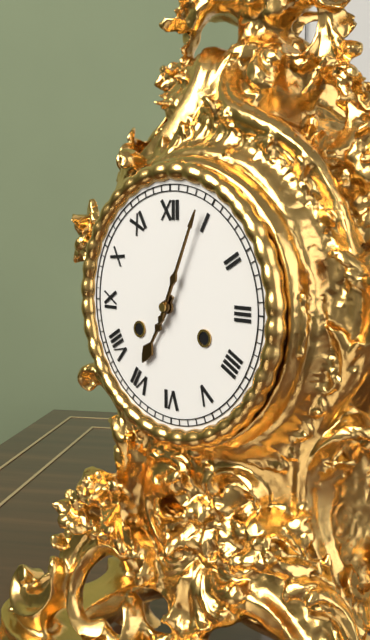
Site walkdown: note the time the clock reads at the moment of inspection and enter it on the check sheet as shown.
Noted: 7:04
